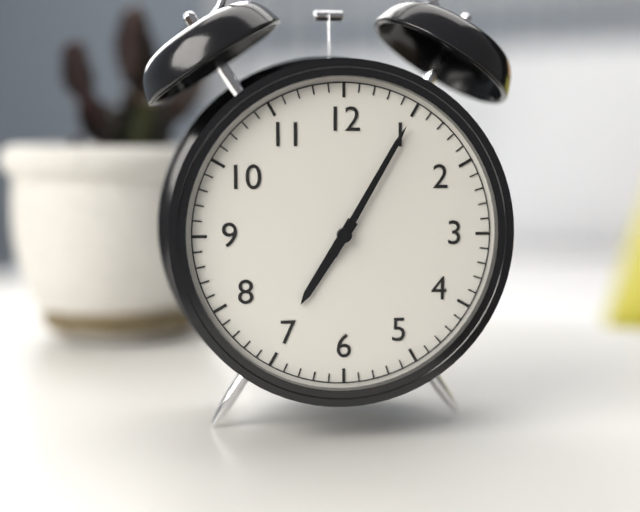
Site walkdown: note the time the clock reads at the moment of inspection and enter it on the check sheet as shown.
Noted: 7:05
